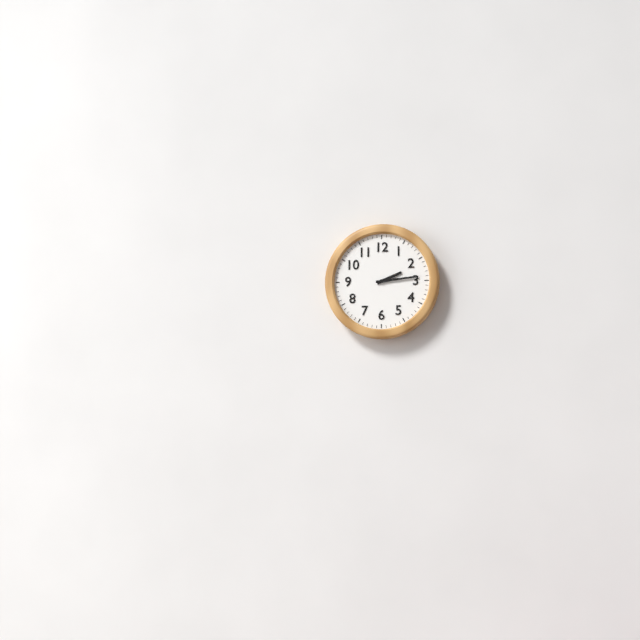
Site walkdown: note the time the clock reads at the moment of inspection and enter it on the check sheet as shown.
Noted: 2:14
